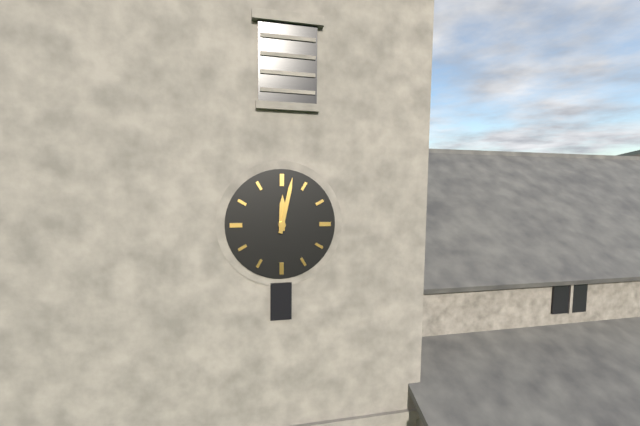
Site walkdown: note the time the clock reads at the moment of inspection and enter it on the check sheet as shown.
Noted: 12:02
